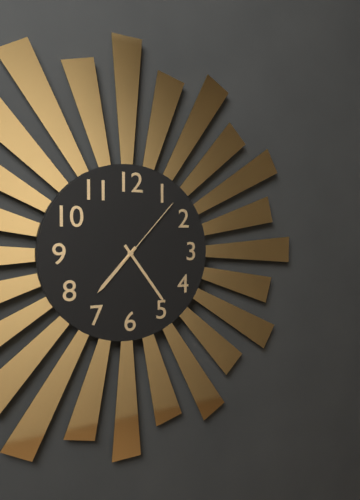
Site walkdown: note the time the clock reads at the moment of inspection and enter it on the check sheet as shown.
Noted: 7:24:07
